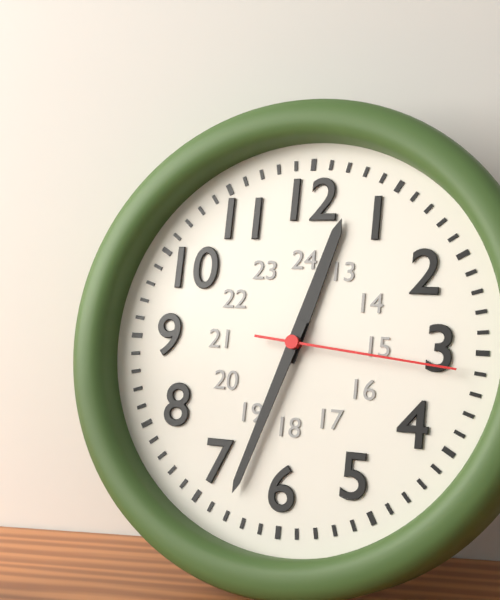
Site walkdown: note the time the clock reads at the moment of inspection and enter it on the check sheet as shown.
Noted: 12:33:16
